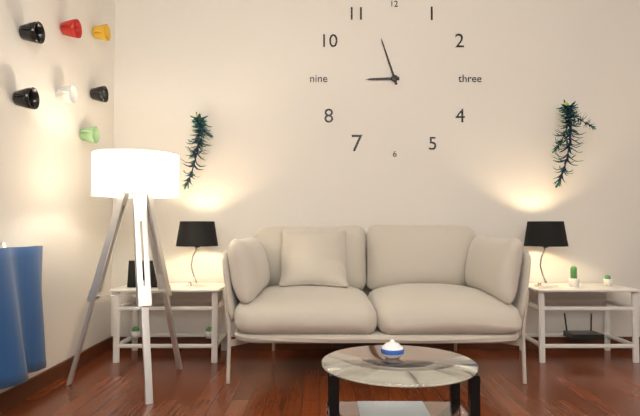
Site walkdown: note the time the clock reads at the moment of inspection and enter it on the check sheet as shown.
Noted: 8:57
